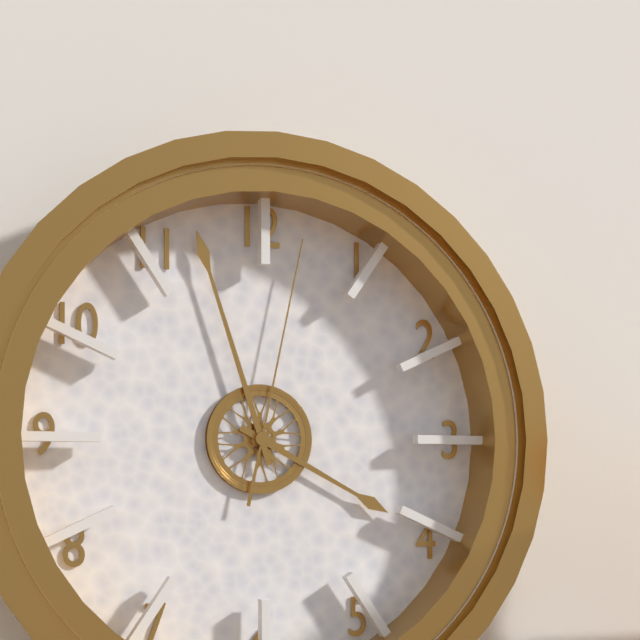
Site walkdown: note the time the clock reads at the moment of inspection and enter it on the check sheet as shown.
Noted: 3:57:02
